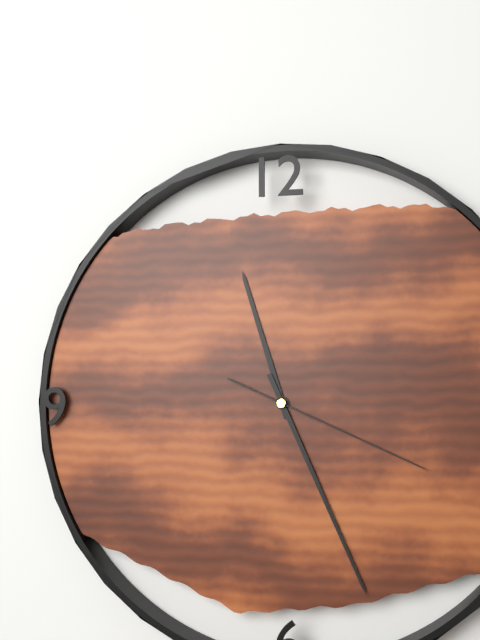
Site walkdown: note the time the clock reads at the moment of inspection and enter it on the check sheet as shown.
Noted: 11:26:19
